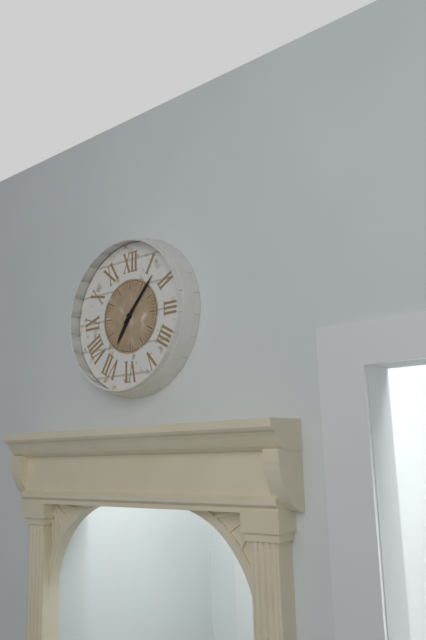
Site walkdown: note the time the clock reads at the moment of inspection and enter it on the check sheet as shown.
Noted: 7:07
